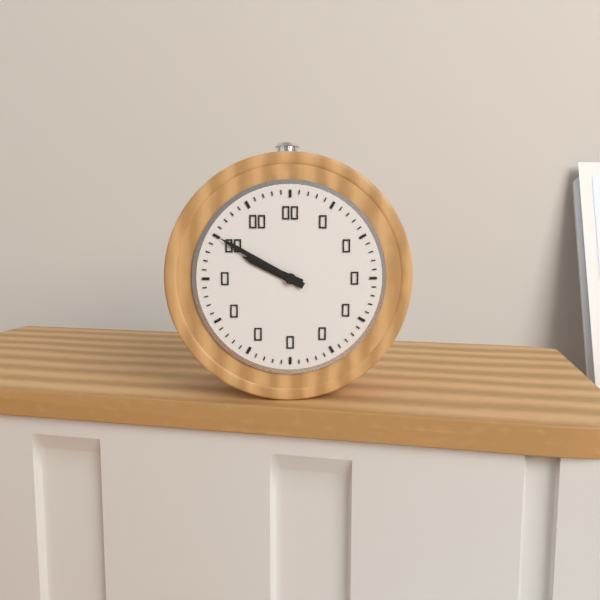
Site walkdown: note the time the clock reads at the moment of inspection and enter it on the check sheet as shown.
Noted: 9:50
